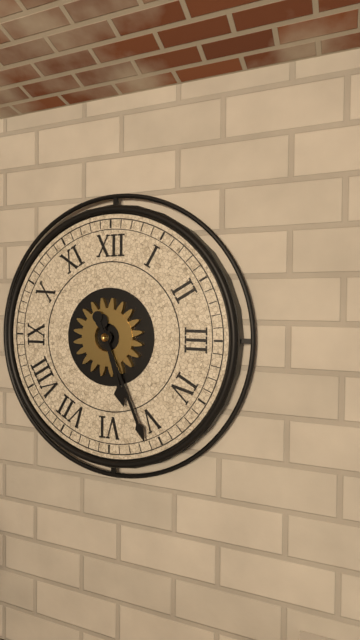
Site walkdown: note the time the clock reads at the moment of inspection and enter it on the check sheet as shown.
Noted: 5:26
